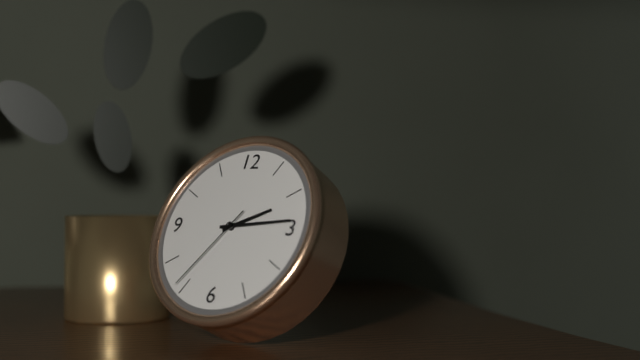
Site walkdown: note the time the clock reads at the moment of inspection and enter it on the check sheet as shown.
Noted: 2:14:36
